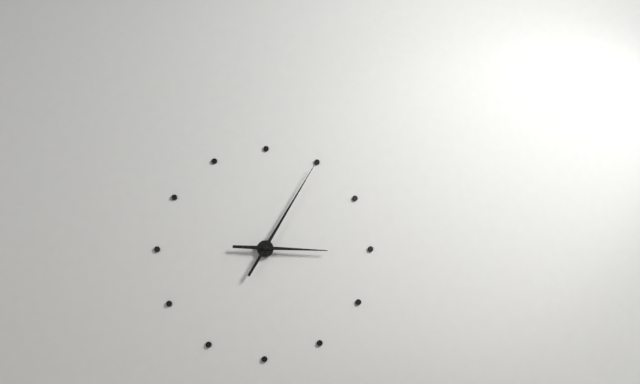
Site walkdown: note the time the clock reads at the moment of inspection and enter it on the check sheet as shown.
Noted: 3:05
